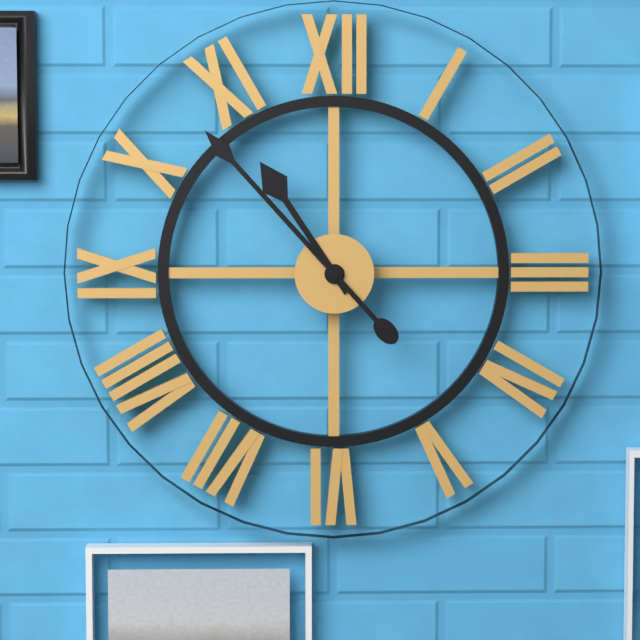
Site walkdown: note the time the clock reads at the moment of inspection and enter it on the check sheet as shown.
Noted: 10:53
